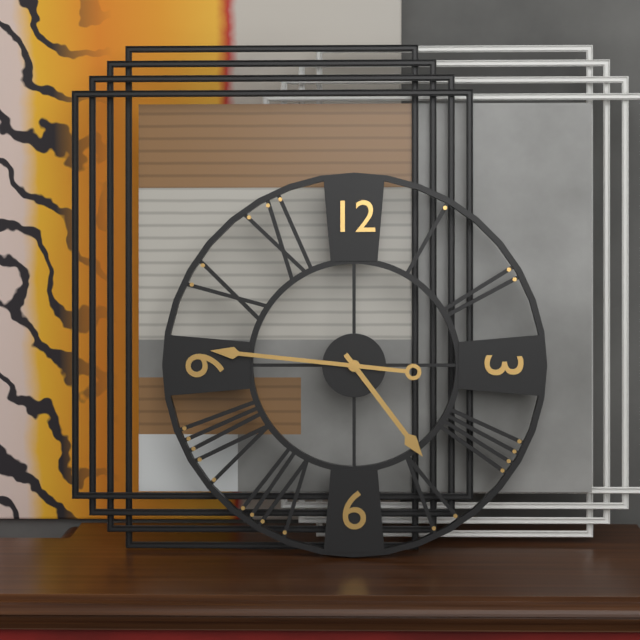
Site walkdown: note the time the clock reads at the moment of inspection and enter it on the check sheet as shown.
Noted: 4:46
